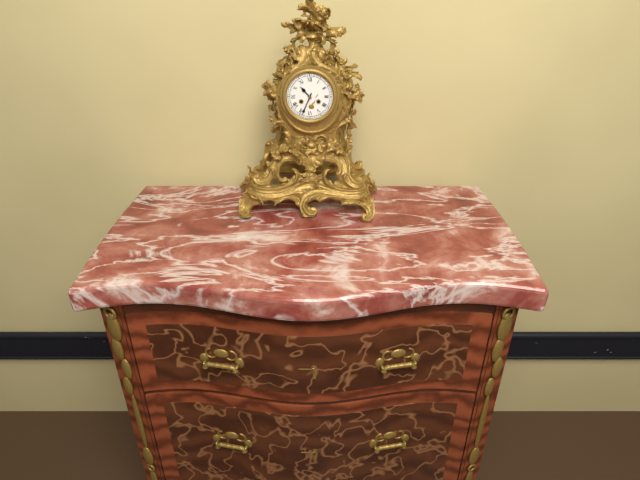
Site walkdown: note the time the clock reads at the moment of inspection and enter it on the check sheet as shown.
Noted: 10:34
